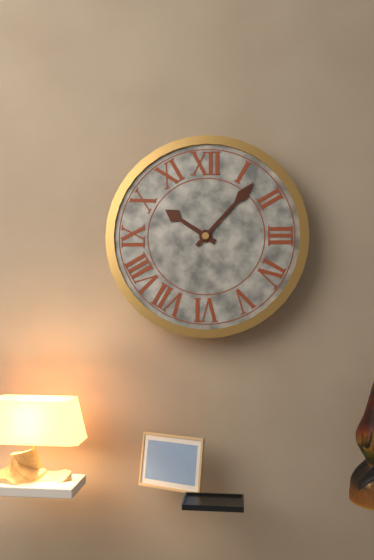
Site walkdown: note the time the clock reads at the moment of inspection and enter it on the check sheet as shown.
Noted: 10:07
